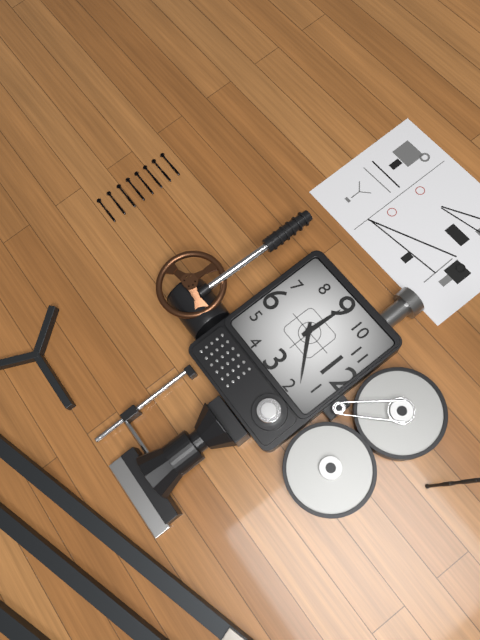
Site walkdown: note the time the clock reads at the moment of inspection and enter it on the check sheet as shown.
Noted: 9:08
